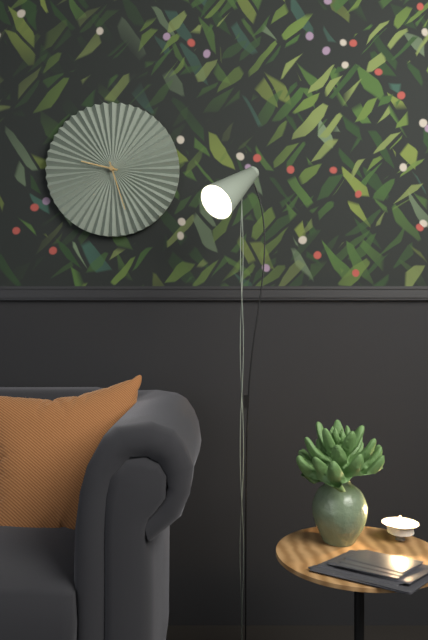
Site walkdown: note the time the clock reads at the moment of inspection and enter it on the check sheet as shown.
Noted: 9:27
